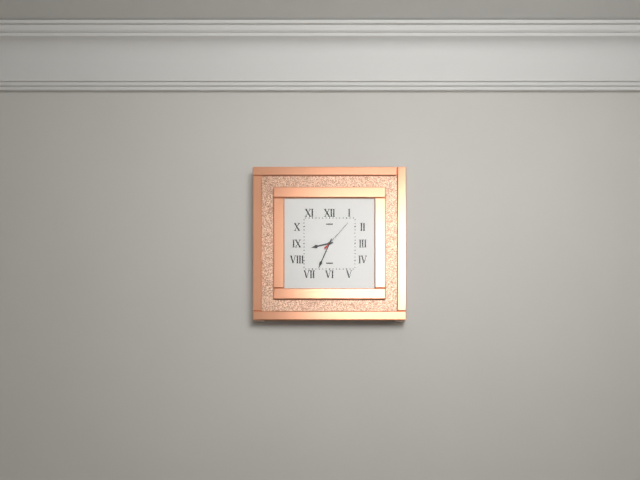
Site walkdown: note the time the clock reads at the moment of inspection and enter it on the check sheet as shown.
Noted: 8:34
